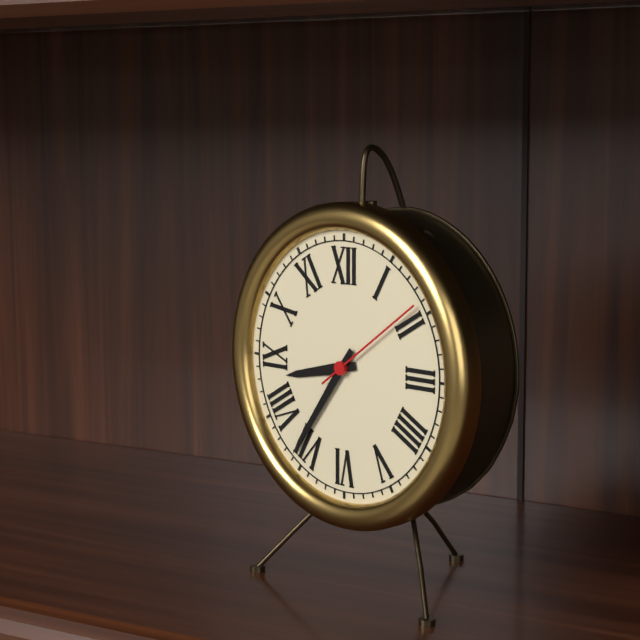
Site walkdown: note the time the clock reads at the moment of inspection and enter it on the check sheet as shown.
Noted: 8:36:09
